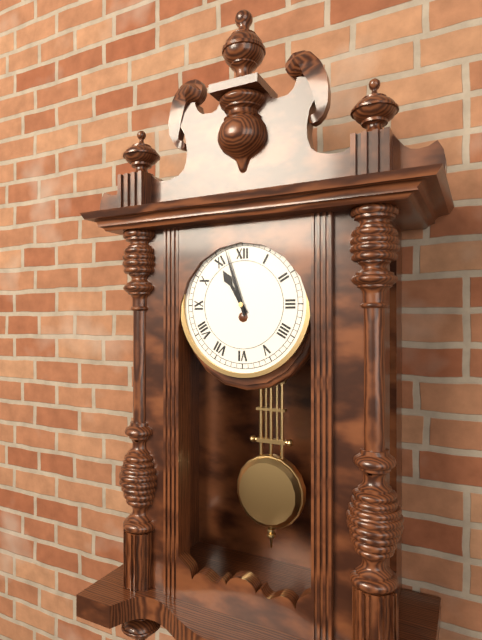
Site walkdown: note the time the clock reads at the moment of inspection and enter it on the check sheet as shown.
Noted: 10:57
